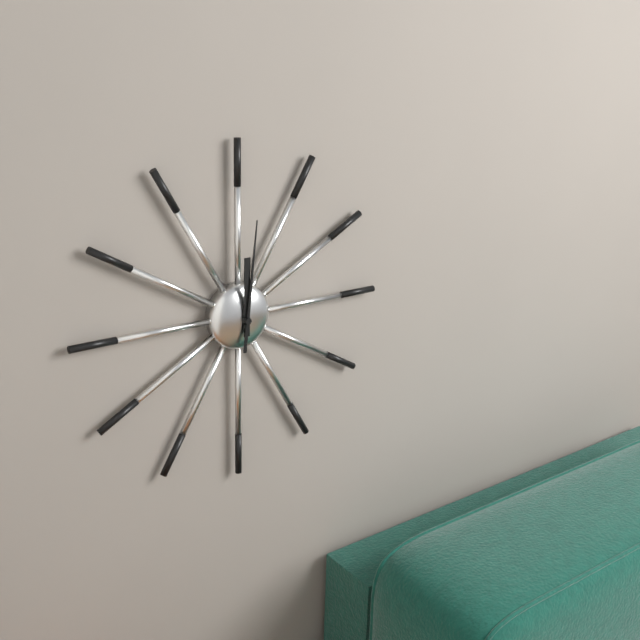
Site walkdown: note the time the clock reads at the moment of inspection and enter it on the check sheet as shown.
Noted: 12:01
